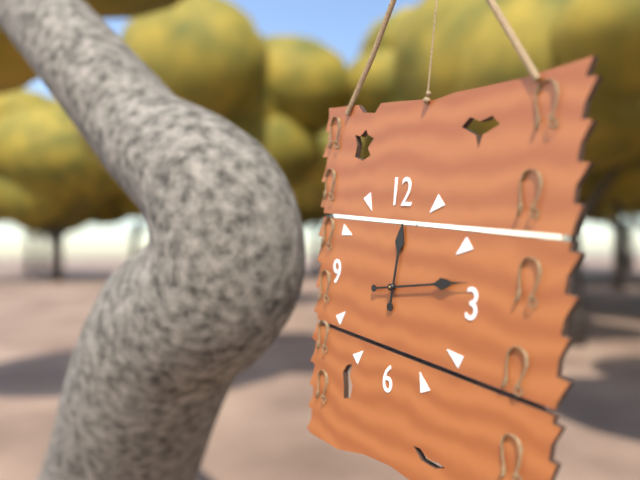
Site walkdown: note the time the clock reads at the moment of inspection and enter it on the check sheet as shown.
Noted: 12:13
